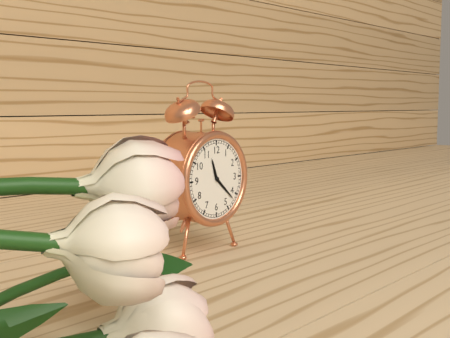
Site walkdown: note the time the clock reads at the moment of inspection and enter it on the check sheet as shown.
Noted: 11:22
